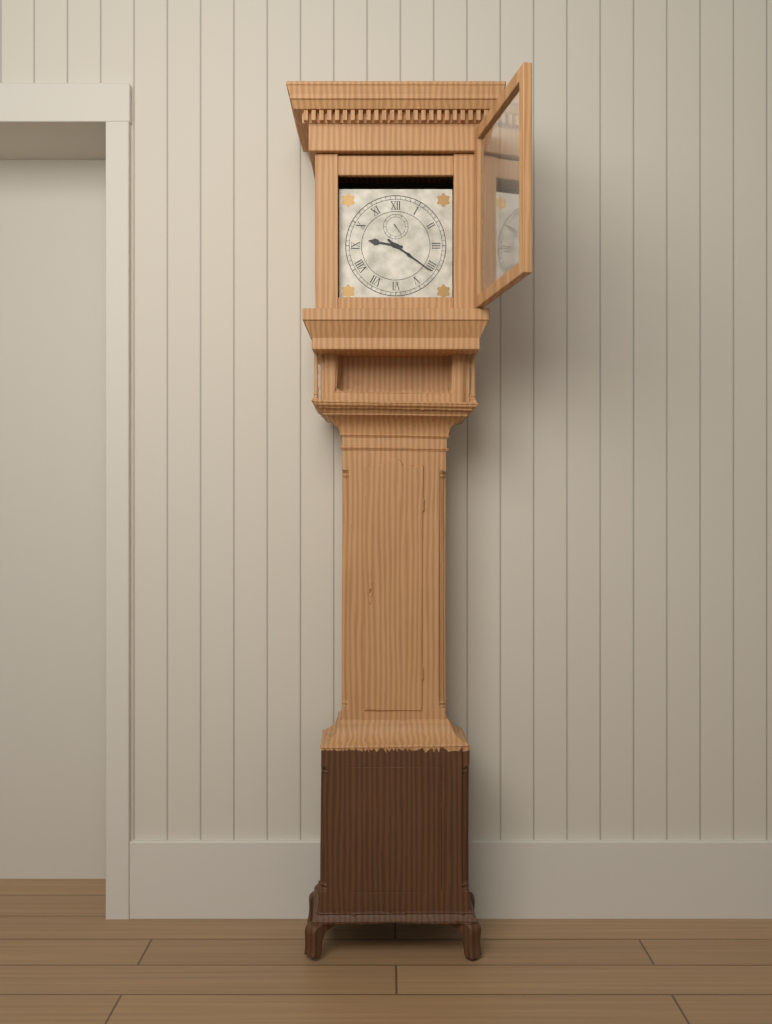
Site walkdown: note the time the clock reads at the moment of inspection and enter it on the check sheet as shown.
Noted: 9:21
